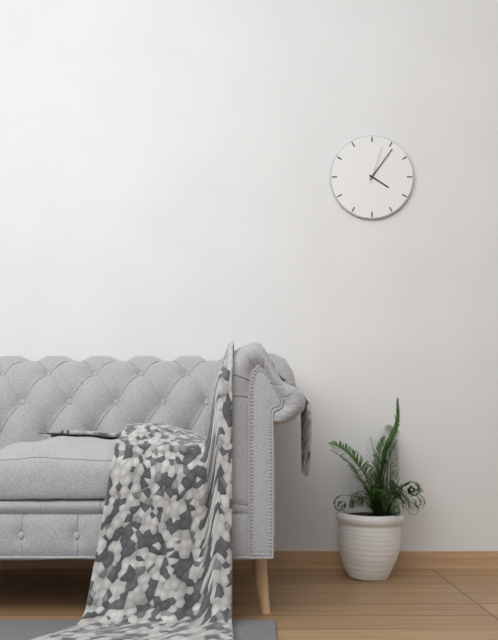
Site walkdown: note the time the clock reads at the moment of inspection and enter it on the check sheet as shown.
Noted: 4:06
